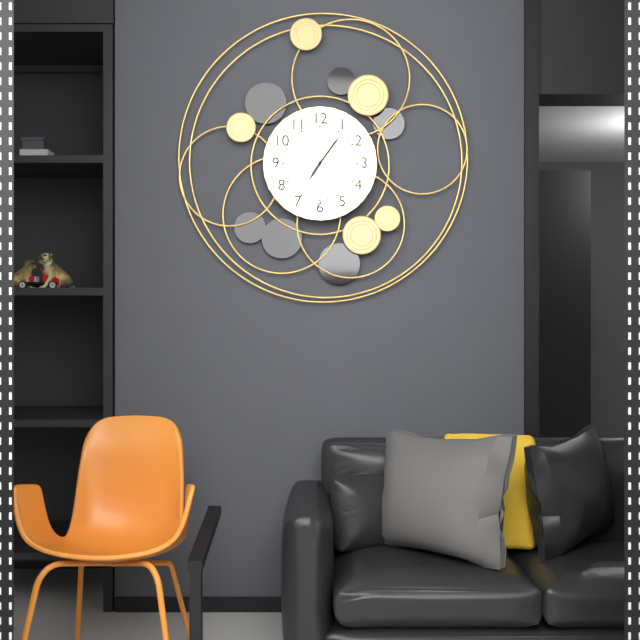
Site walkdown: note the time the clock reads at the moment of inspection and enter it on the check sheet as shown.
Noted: 7:06
